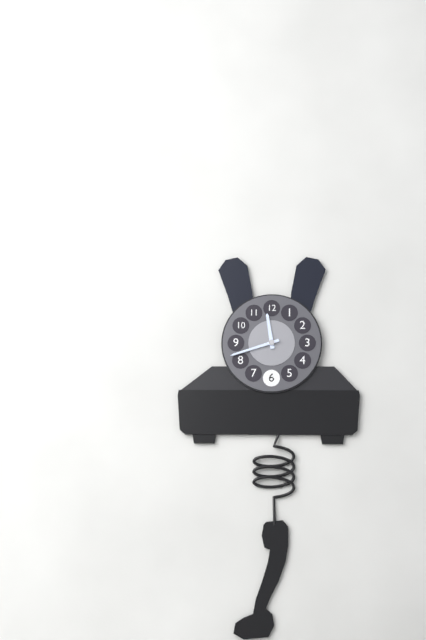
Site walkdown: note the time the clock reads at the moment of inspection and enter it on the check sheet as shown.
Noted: 11:42
